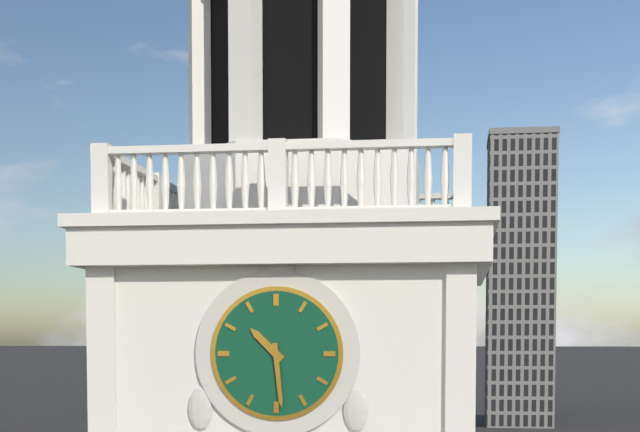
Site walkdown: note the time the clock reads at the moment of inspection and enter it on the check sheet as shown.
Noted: 10:29
